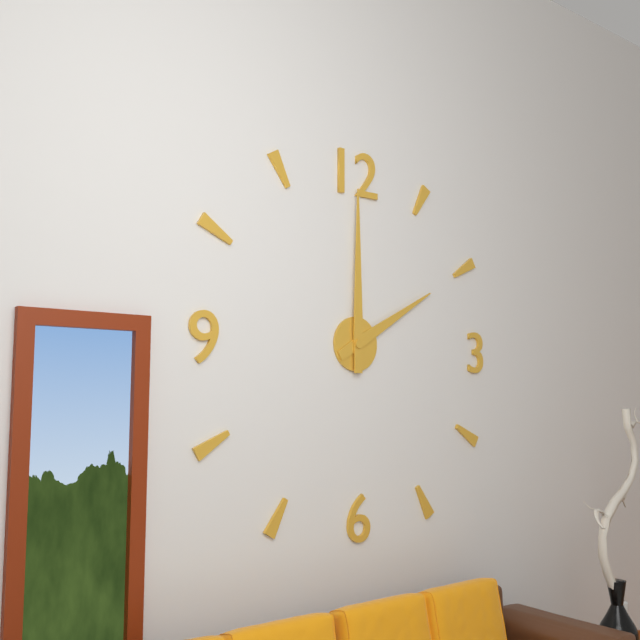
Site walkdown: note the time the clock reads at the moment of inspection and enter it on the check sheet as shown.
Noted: 2:00
